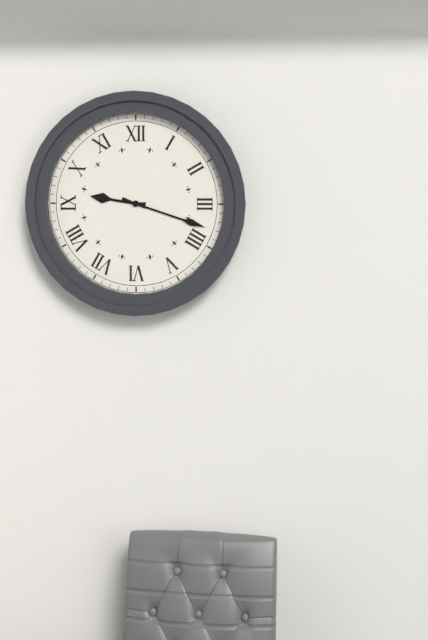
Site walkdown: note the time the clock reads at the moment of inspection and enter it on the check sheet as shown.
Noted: 9:18
